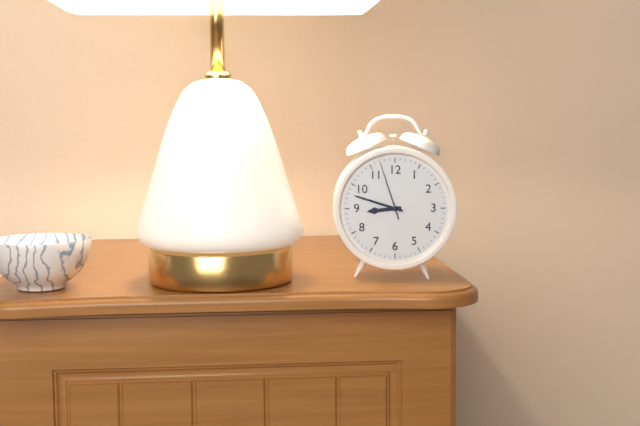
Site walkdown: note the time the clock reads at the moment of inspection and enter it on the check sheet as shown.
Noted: 8:48:57
